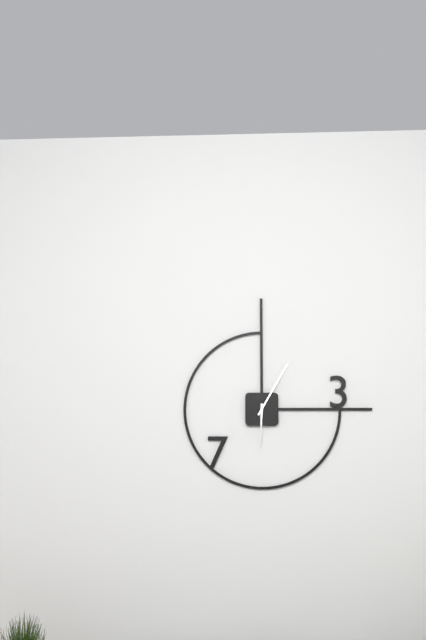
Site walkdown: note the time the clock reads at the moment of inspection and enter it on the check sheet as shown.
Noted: 6:05
